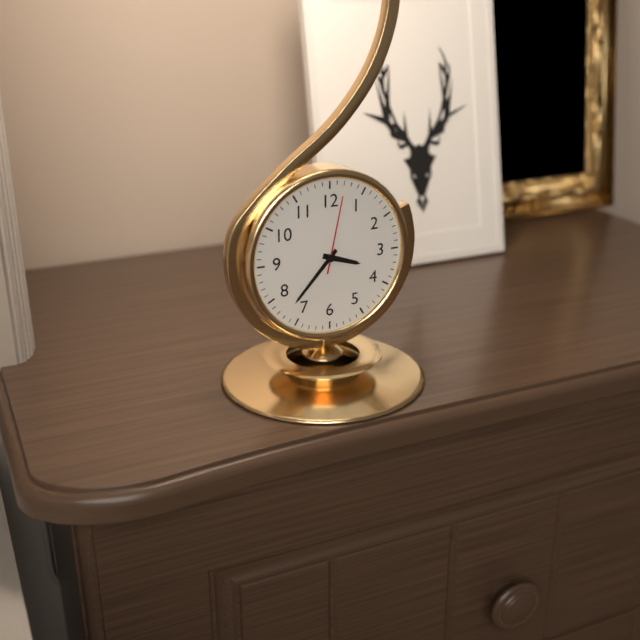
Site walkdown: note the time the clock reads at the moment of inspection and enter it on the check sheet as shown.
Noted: 3:37:02
